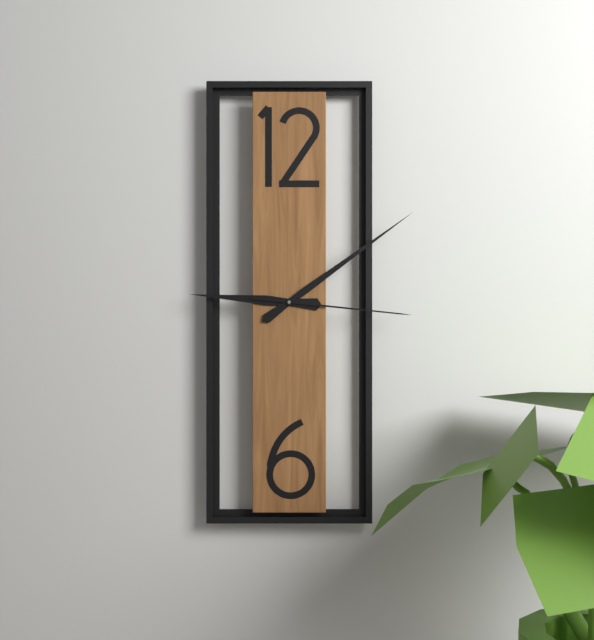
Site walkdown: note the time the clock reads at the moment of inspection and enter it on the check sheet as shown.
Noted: 9:09:16
